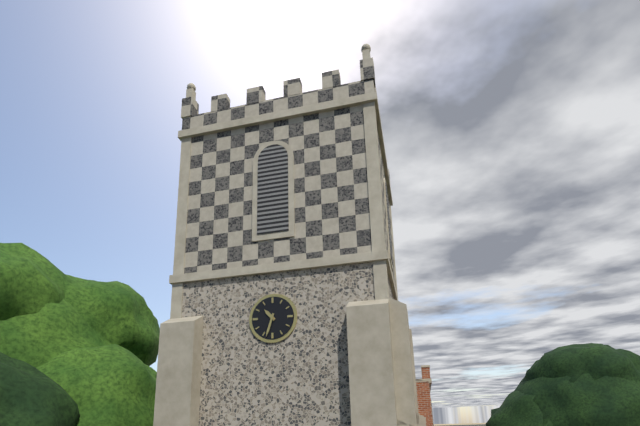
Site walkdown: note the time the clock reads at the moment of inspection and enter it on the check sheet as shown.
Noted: 10:33
